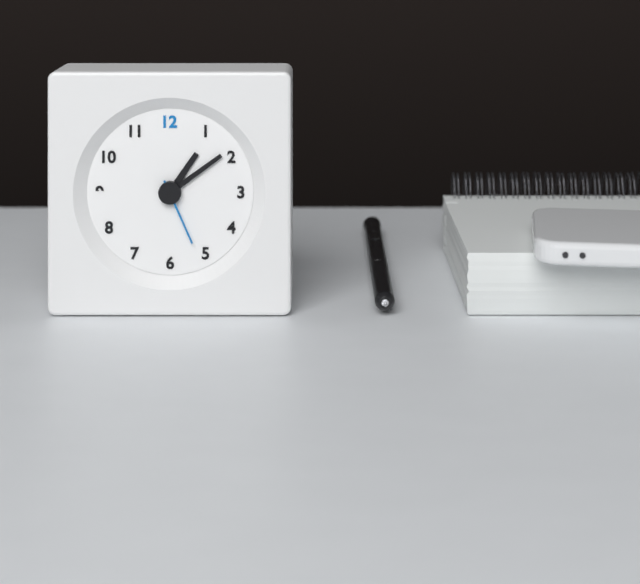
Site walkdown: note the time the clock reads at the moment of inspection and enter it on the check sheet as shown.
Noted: 1:09:26
